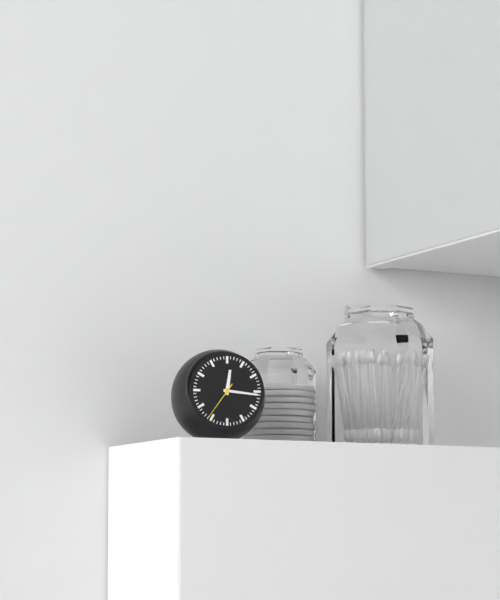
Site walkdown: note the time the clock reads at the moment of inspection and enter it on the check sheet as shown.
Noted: 12:16
